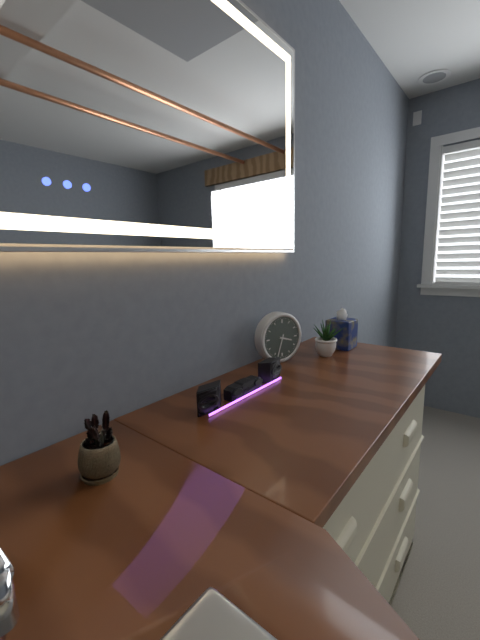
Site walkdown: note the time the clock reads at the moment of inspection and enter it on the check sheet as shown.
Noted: 3:33
